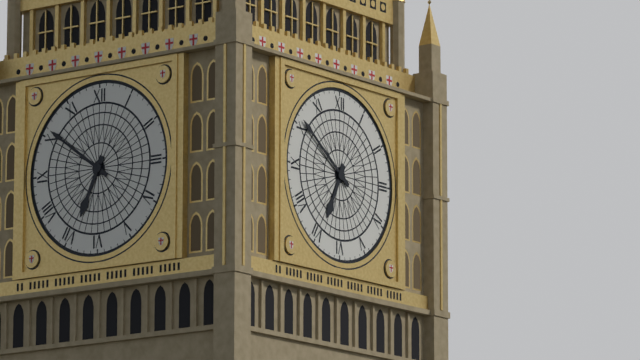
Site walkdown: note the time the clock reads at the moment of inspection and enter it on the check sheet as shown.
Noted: 6:51
